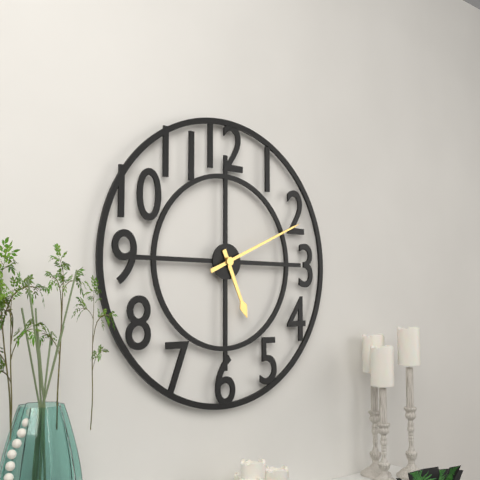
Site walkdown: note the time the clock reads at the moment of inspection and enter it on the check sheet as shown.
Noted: 5:11
